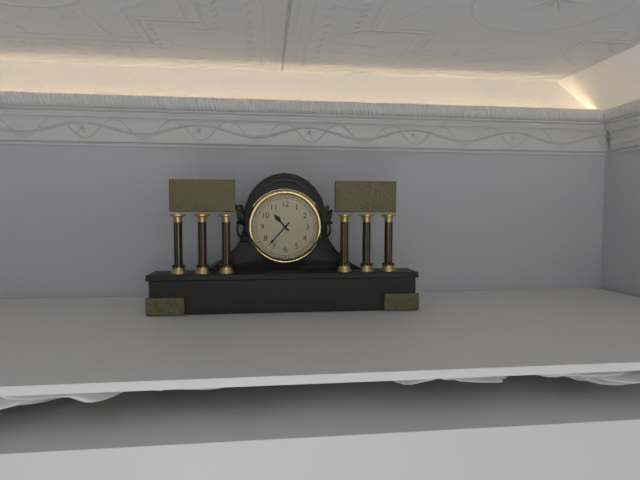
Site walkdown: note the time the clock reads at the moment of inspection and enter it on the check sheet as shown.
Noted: 10:37
